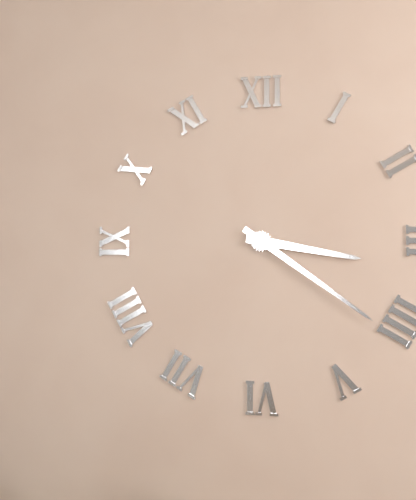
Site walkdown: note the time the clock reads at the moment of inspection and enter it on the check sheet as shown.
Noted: 3:21
